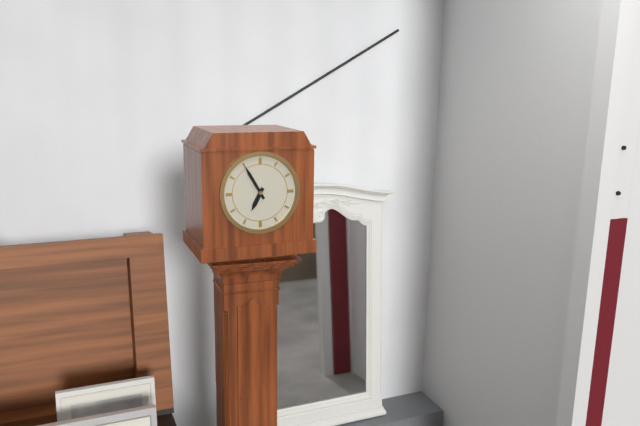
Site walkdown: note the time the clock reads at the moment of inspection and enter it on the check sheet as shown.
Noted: 6:55
